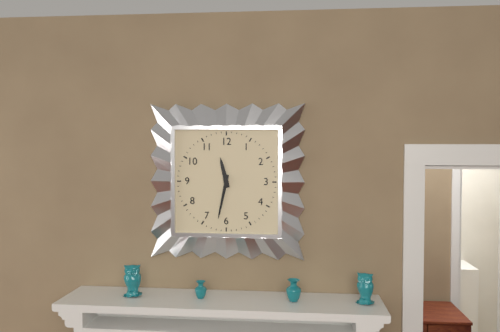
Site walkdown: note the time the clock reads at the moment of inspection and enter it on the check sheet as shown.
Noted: 11:32
